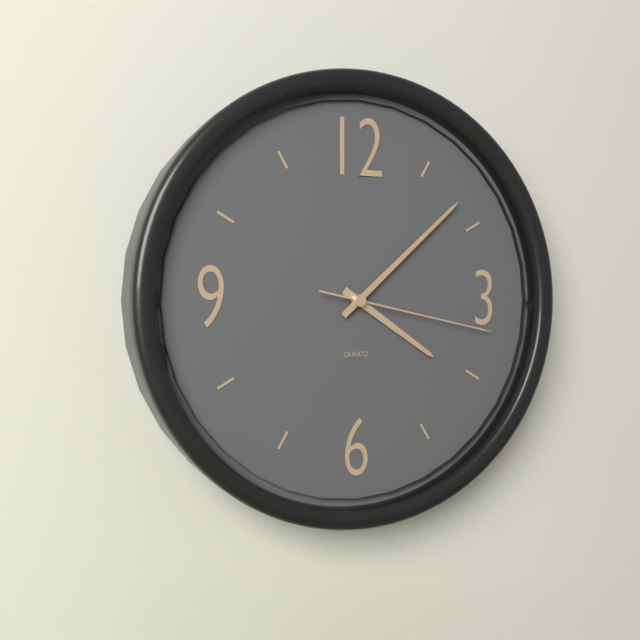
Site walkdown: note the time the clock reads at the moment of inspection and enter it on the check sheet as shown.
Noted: 4:08:17
